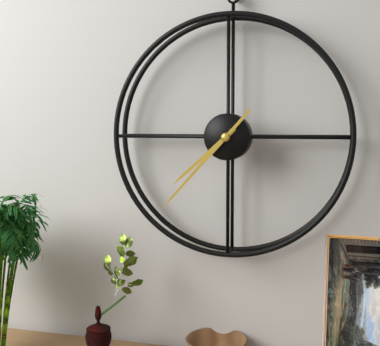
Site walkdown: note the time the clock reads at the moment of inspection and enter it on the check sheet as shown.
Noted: 7:37
